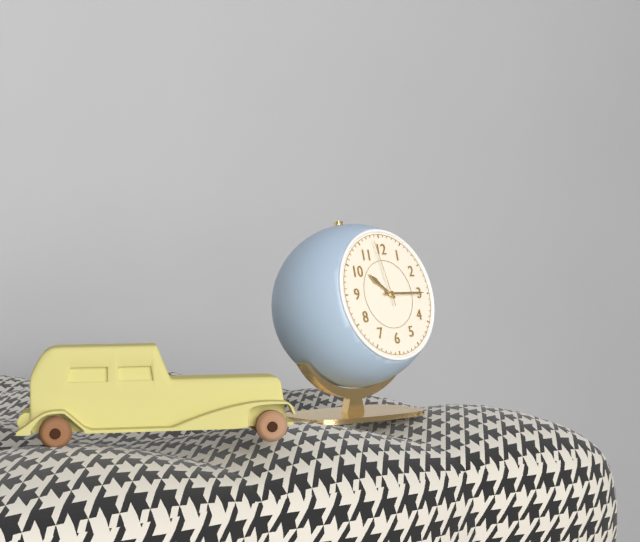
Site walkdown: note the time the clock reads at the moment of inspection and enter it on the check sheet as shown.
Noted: 10:15:58
